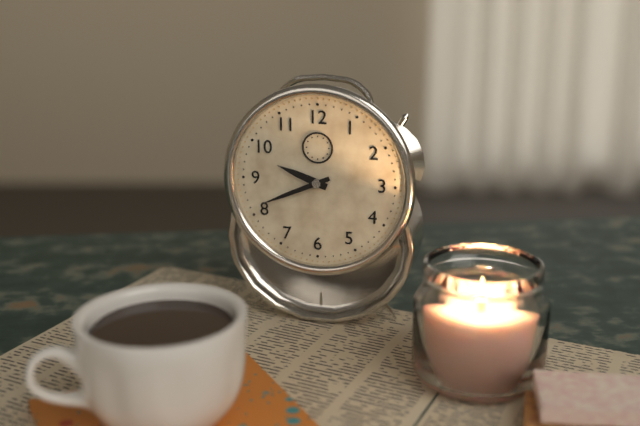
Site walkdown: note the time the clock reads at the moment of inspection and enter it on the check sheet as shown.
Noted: 9:41
